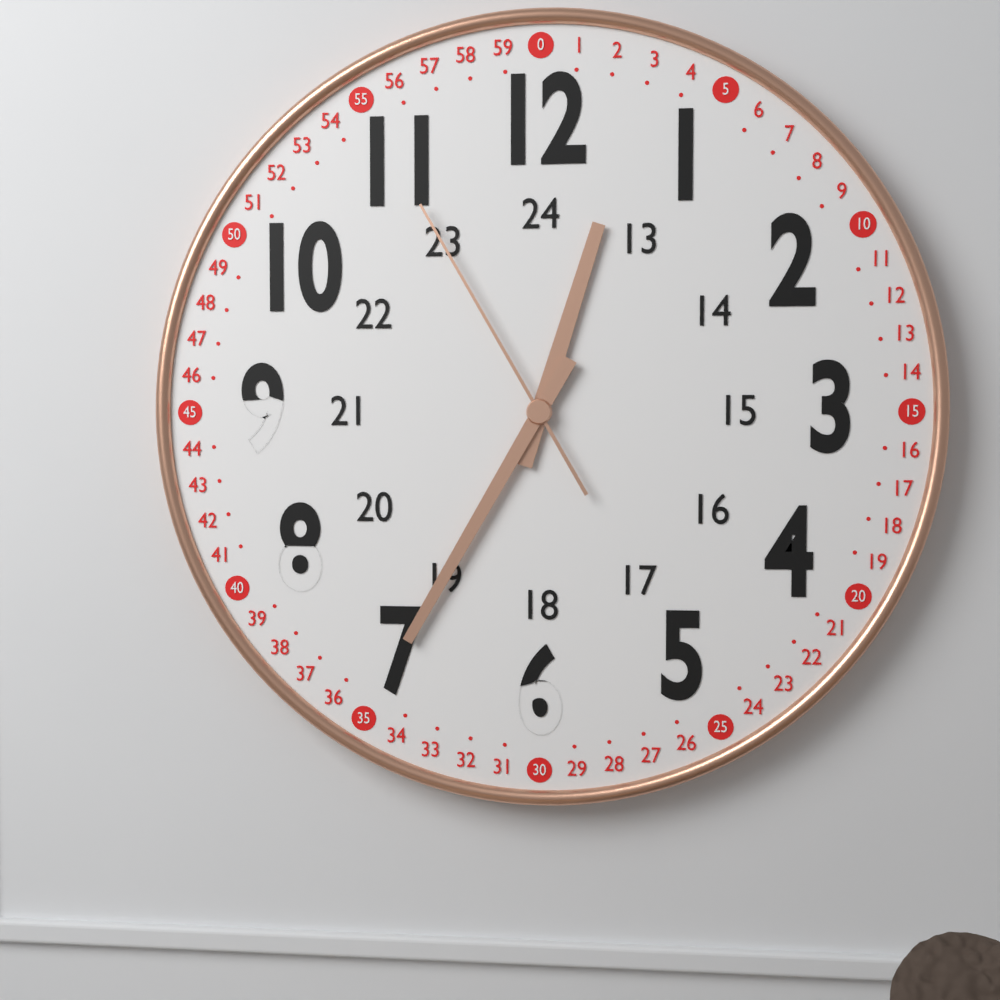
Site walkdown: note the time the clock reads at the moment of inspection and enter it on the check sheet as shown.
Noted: 12:35:55
